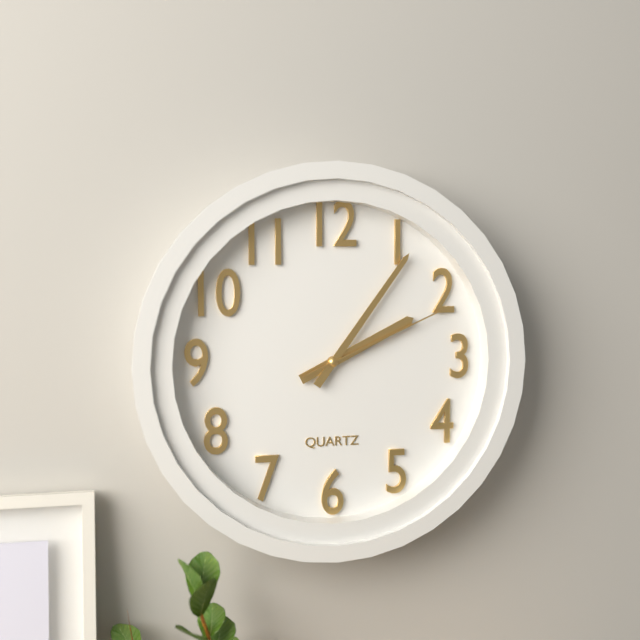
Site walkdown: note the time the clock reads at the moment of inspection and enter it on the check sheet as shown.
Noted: 2:06:11
